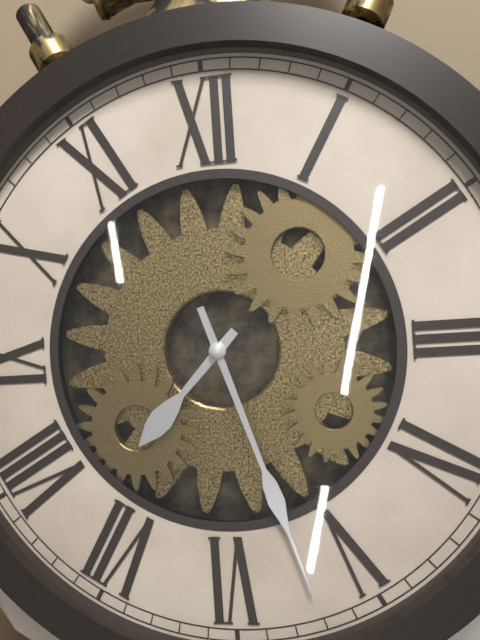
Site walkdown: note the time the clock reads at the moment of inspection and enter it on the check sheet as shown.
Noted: 7:27
